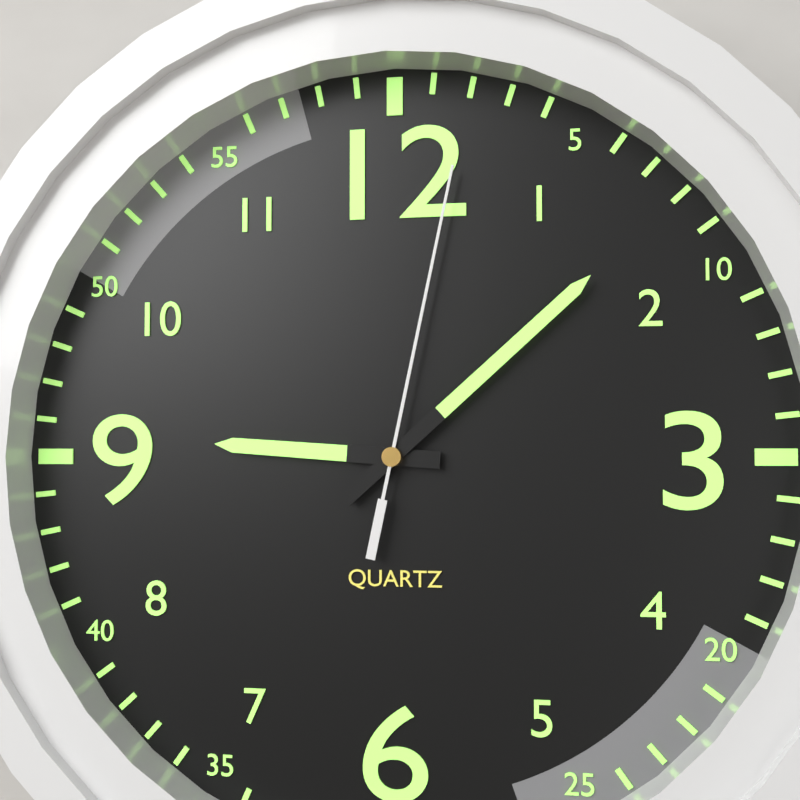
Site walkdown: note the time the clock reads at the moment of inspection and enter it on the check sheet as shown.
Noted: 9:08:02
